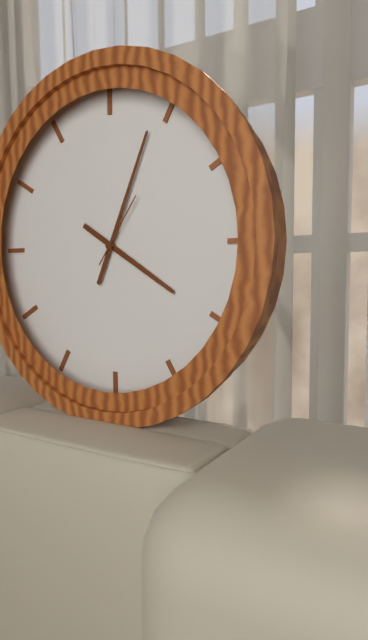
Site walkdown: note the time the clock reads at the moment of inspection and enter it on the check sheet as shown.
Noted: 4:04:06
